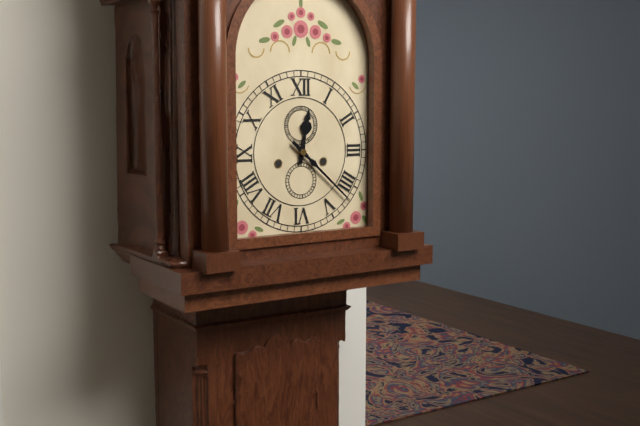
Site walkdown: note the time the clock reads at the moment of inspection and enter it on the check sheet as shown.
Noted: 12:22
